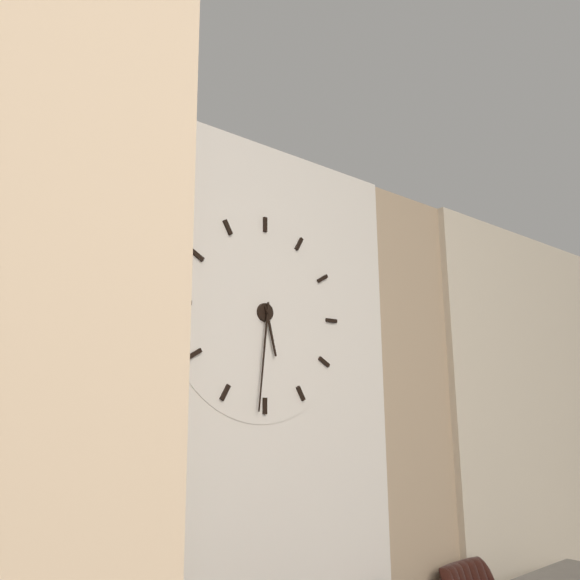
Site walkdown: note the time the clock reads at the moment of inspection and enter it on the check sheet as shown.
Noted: 5:31
